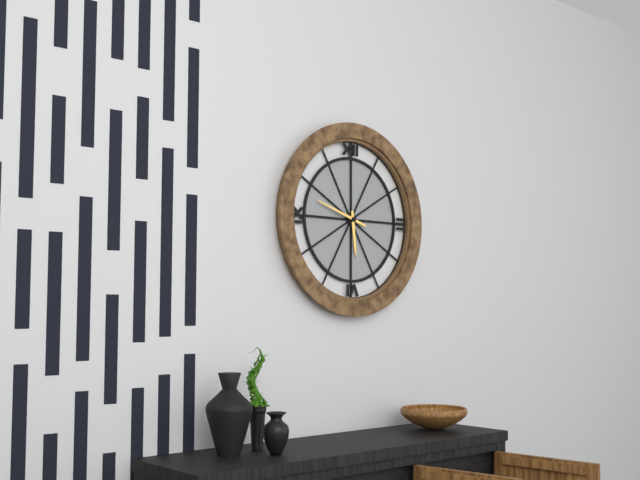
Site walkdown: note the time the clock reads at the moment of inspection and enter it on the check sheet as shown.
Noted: 5:48
